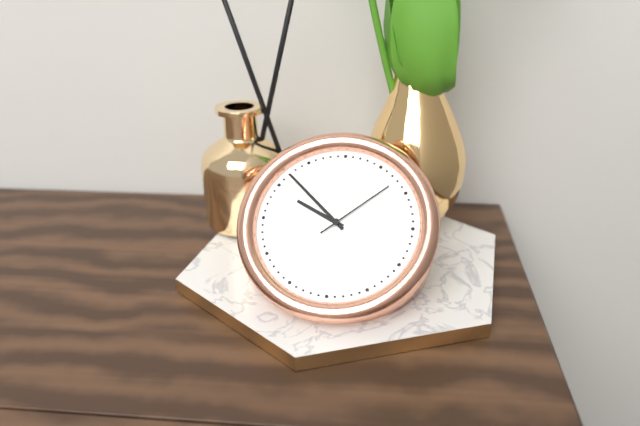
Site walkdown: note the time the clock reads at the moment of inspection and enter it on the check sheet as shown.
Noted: 9:52:08
